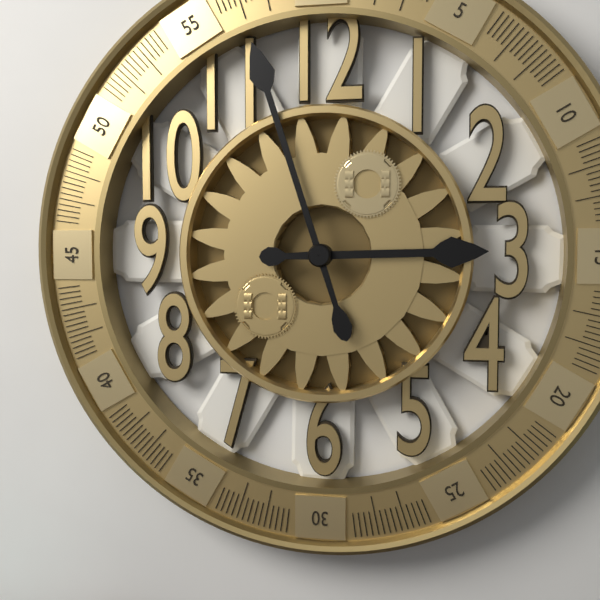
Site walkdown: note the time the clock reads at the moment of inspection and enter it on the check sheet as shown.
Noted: 2:57
